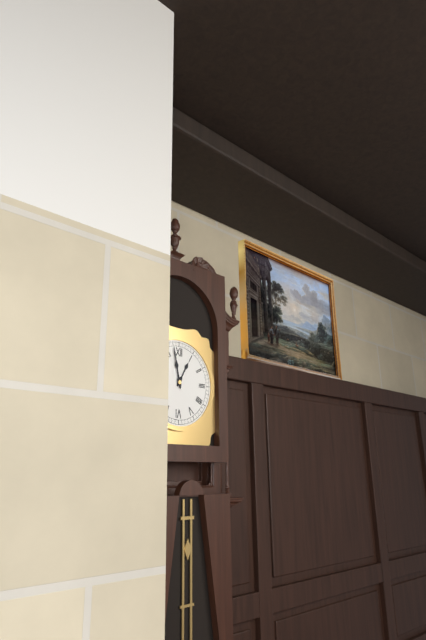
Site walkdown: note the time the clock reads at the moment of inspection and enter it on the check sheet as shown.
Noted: 12:58
